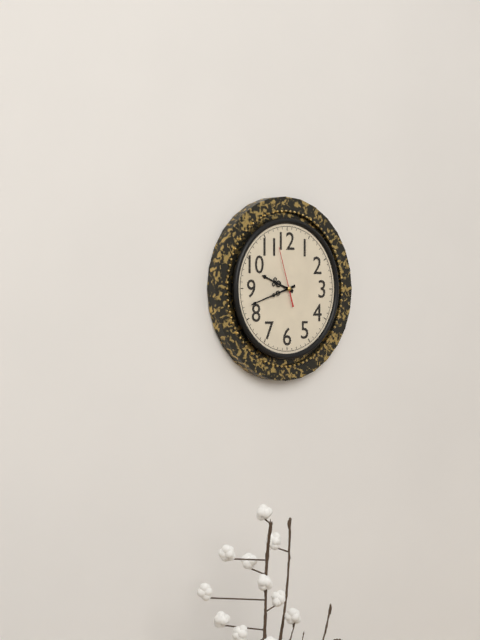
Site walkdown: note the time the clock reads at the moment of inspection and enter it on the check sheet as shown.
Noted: 9:42:57
